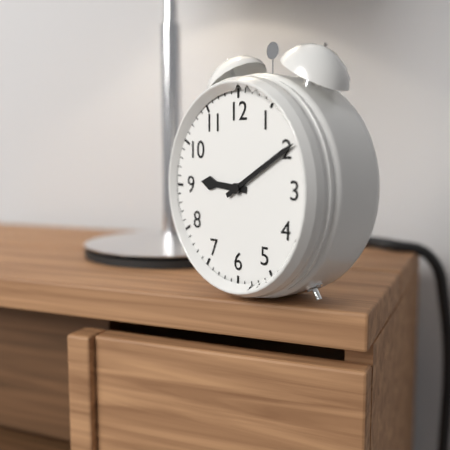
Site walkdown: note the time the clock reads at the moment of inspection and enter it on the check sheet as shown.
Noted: 9:10
